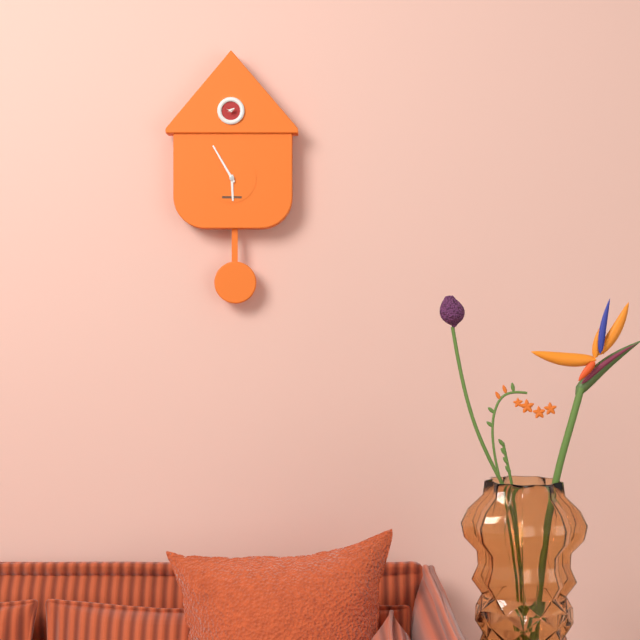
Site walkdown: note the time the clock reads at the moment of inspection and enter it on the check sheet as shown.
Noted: 5:55
